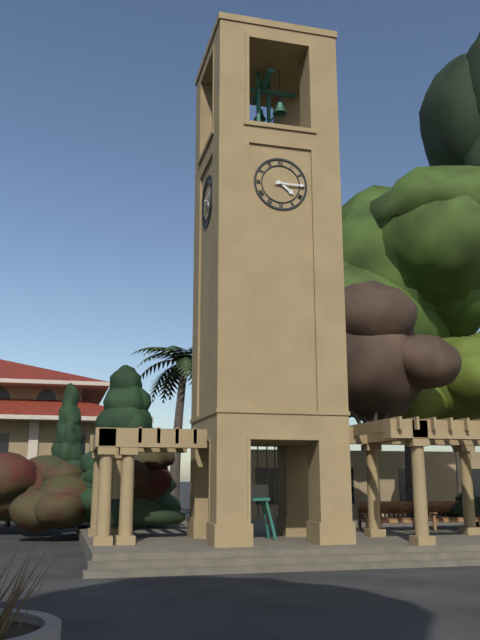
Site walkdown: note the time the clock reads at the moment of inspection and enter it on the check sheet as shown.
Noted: 4:15
